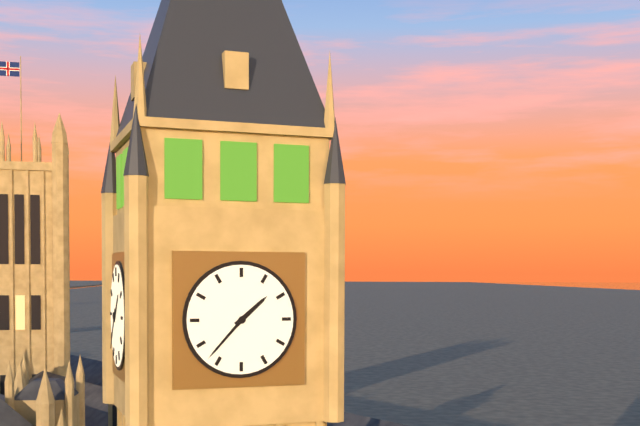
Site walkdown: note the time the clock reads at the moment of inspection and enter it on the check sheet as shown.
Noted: 1:37
